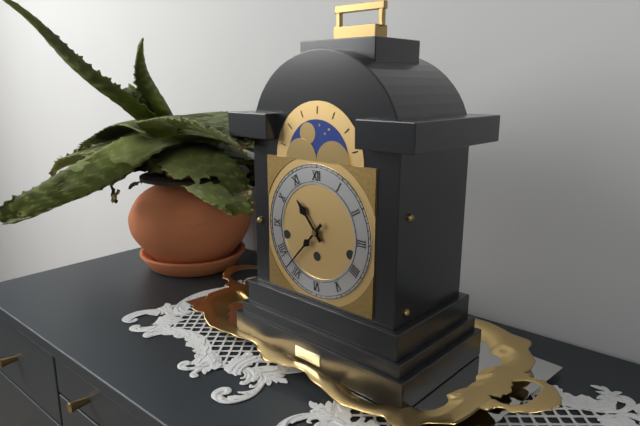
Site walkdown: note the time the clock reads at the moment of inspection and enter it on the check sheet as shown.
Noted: 10:37
